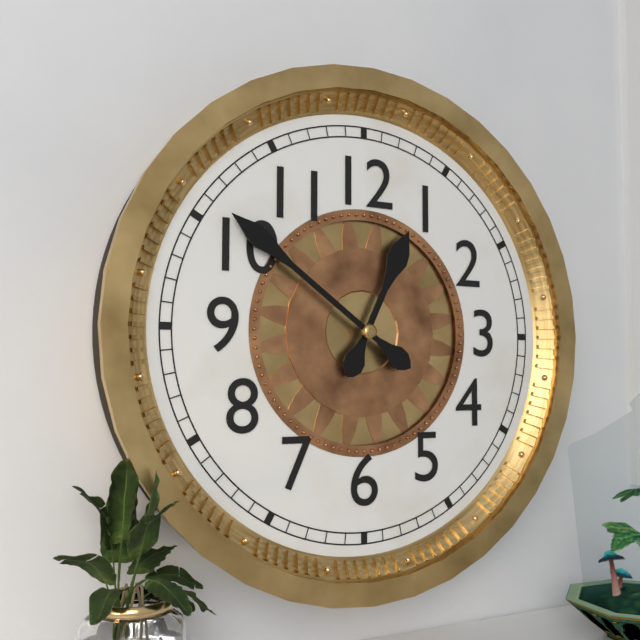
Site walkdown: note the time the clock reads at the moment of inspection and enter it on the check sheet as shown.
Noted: 12:51
